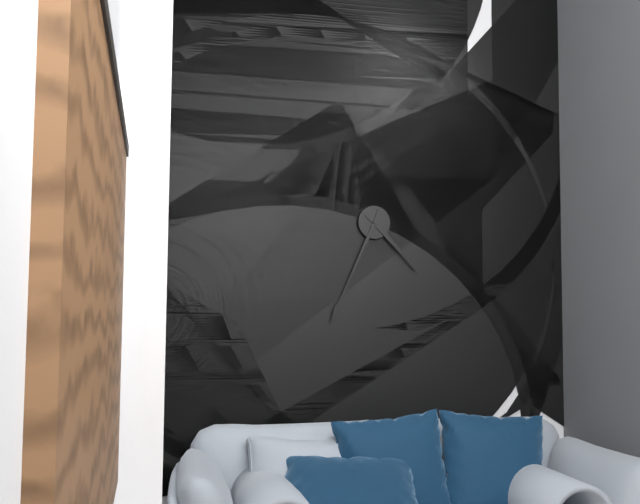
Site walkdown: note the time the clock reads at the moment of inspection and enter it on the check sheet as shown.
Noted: 4:34
